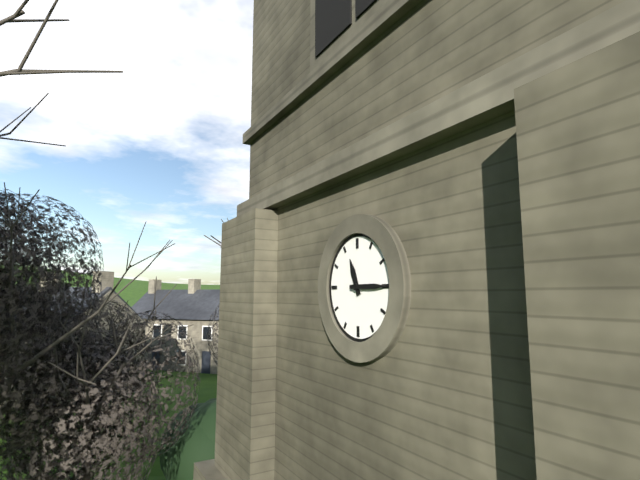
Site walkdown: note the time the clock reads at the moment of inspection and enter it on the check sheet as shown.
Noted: 11:15
